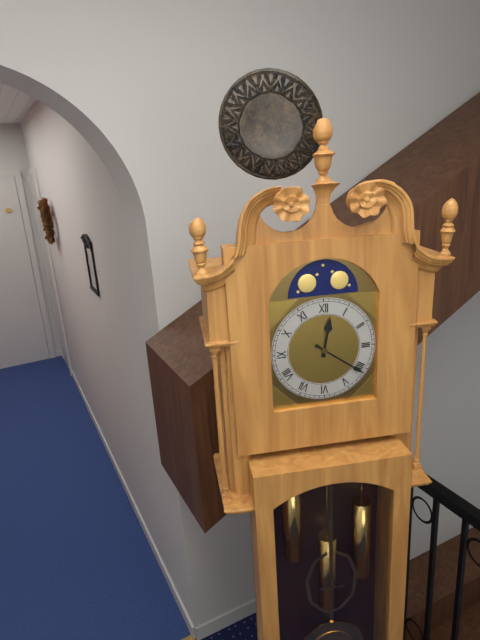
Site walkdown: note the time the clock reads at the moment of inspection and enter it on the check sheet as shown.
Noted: 12:21
